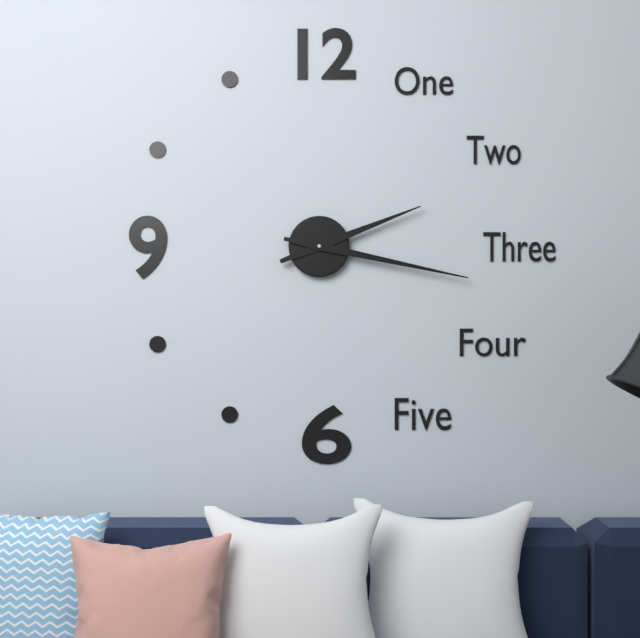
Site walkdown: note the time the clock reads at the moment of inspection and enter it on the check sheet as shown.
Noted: 2:17
